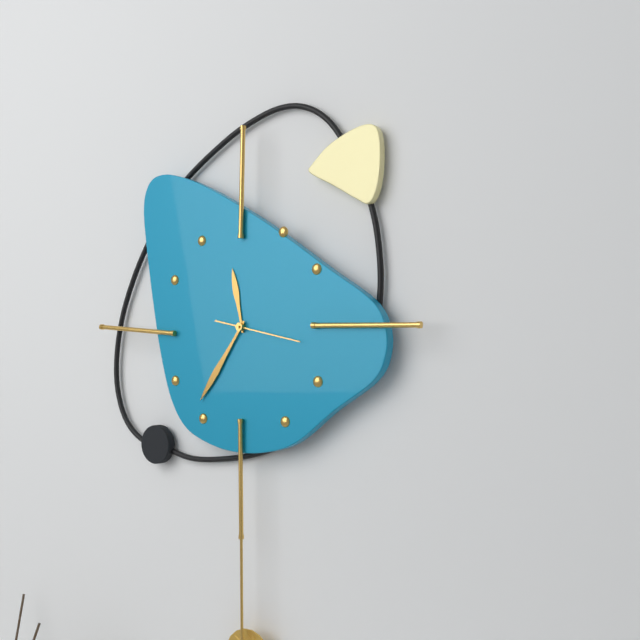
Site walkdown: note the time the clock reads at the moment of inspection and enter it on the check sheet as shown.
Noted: 11:36:17
